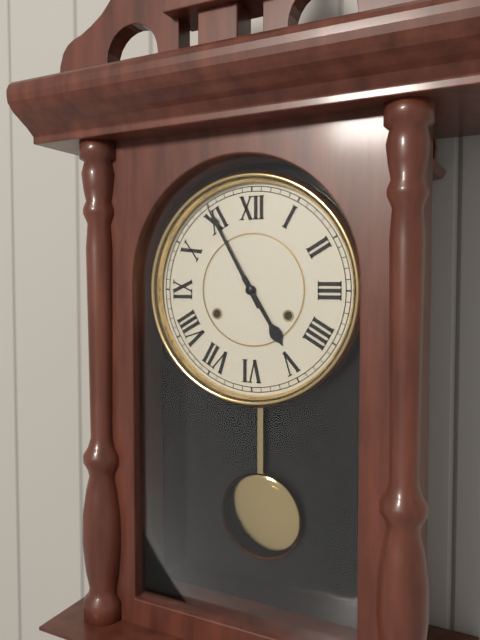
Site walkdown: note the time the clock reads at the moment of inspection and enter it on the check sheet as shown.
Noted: 4:55
